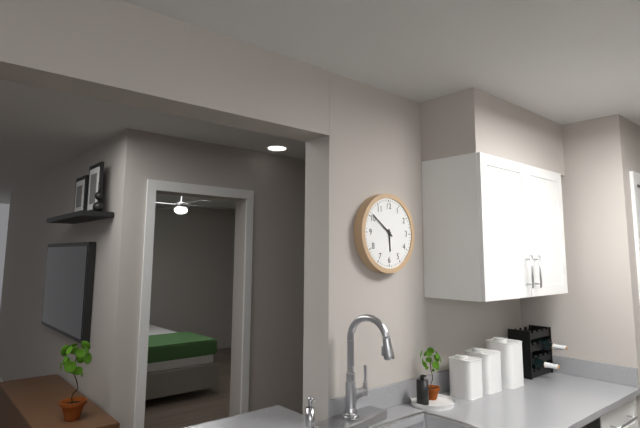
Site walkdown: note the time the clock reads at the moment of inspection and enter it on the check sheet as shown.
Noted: 5:51
